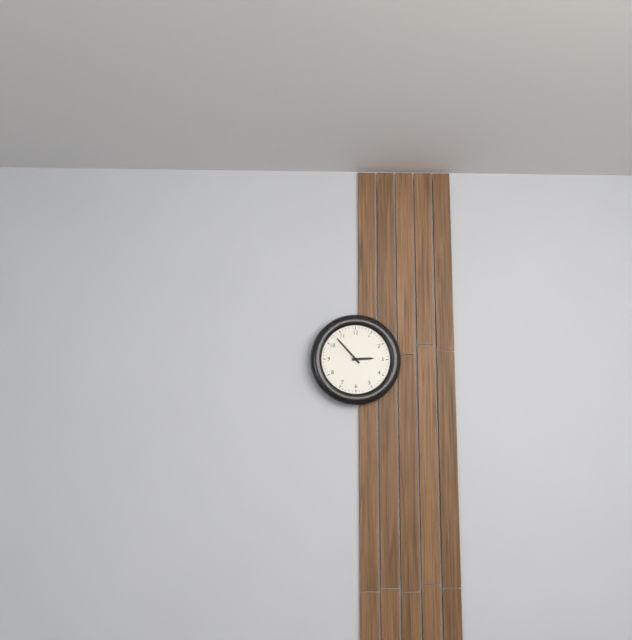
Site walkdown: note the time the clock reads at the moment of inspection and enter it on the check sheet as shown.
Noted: 2:53
